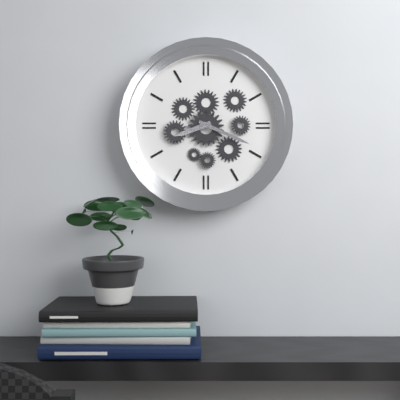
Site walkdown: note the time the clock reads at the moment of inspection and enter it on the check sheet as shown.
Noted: 8:19
